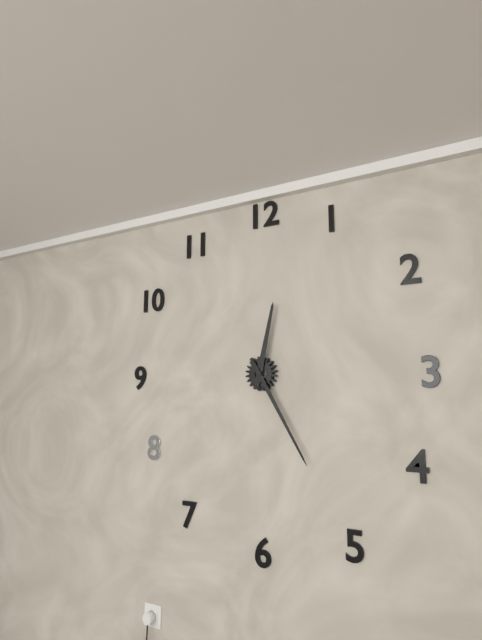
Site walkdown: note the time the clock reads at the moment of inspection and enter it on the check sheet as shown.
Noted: 12:25
